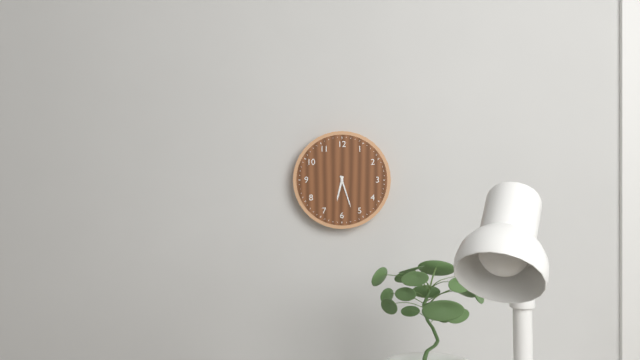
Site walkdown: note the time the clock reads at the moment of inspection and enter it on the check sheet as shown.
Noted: 6:27
